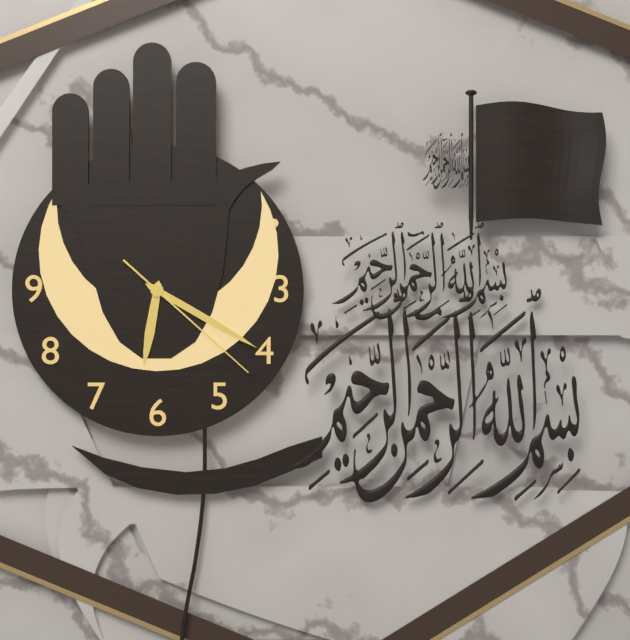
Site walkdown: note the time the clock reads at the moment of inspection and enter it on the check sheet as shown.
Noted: 6:20:22
